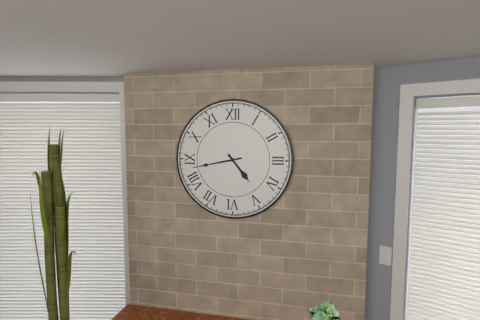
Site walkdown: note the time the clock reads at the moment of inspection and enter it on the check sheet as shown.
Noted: 4:43
